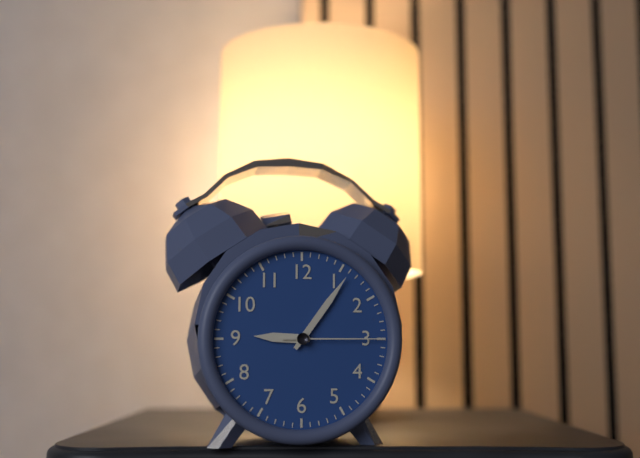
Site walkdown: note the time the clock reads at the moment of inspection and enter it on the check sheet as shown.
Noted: 9:06:15
